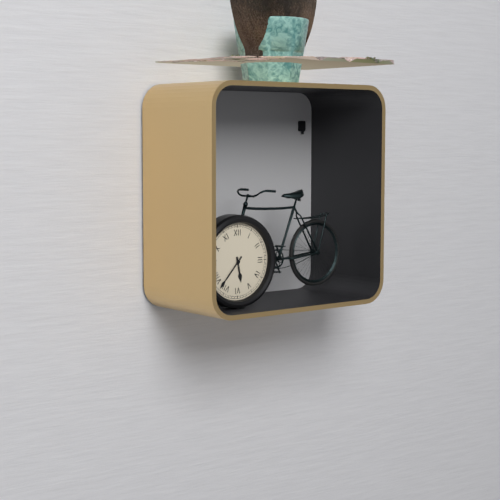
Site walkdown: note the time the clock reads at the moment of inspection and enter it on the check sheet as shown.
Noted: 5:37
